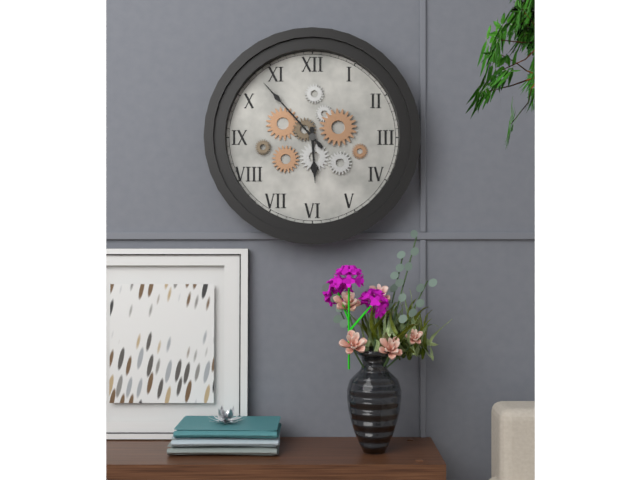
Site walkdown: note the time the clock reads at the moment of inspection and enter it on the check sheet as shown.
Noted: 5:53
